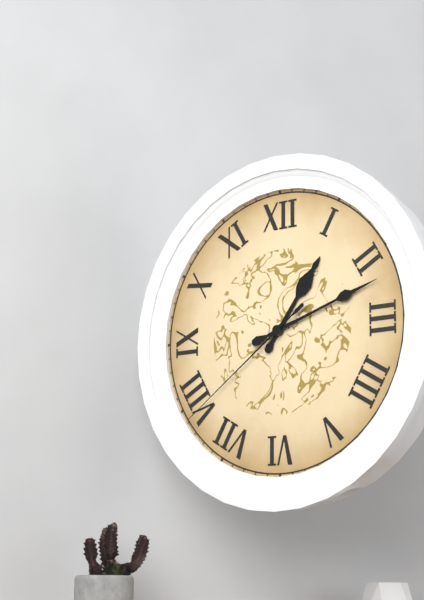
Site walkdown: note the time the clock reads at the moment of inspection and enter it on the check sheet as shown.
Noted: 1:12:39
